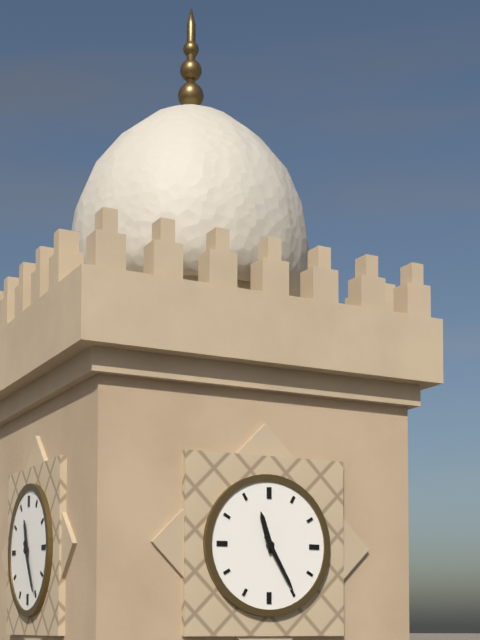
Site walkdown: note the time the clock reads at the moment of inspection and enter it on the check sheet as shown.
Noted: 11:25
